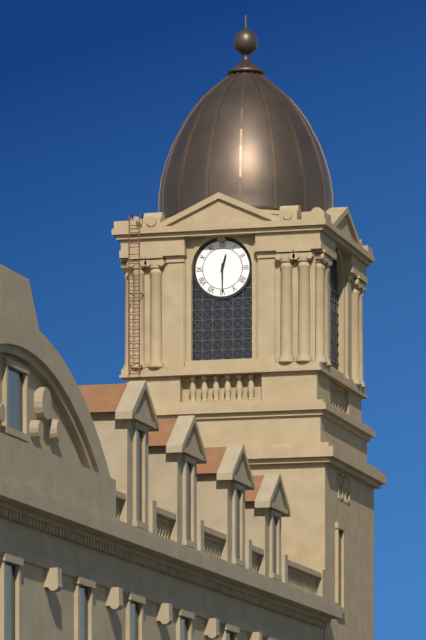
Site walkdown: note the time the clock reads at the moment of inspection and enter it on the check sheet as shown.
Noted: 12:30
